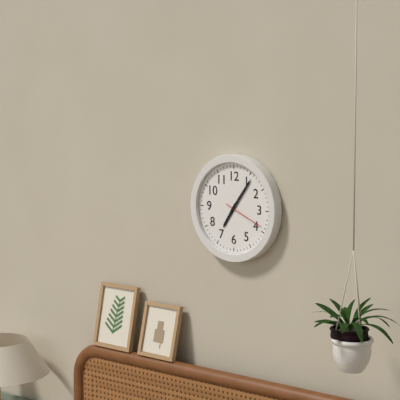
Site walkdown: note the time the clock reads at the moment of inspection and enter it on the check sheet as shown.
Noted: 7:06
